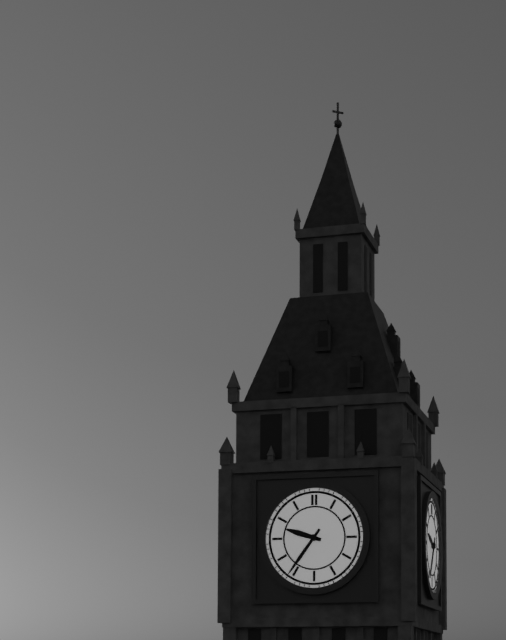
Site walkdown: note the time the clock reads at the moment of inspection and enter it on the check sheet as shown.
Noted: 9:36
